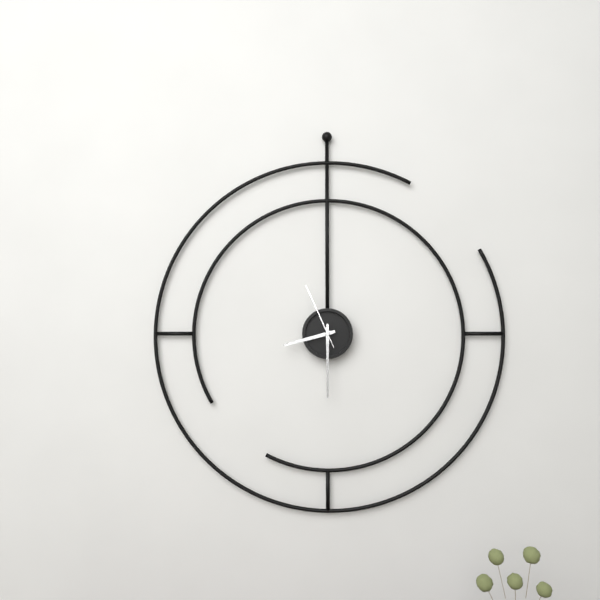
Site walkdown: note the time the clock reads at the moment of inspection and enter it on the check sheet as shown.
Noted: 8:30:56
